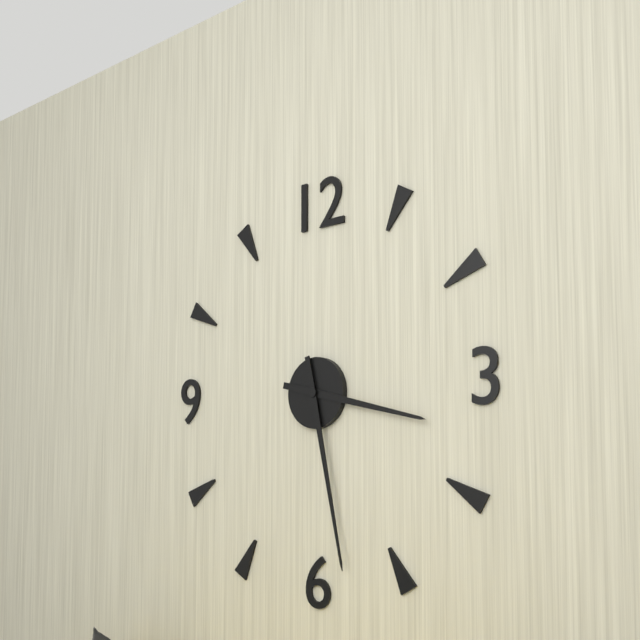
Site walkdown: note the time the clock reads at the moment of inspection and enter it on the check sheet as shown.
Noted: 3:28
